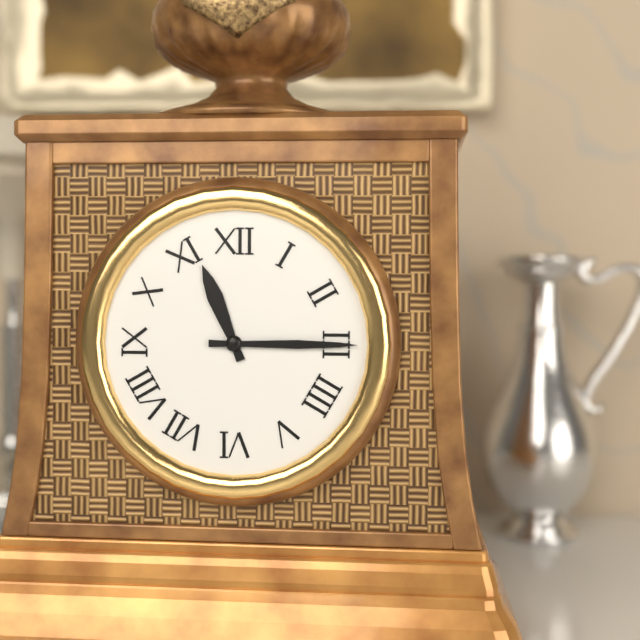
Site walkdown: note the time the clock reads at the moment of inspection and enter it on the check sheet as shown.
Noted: 11:15
